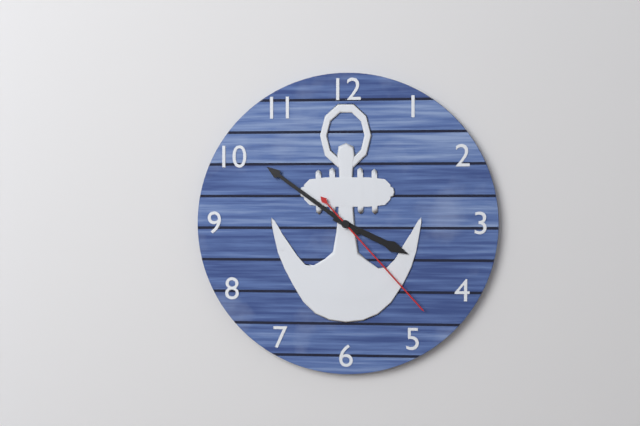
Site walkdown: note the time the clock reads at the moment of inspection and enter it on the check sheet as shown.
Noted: 3:51:23
